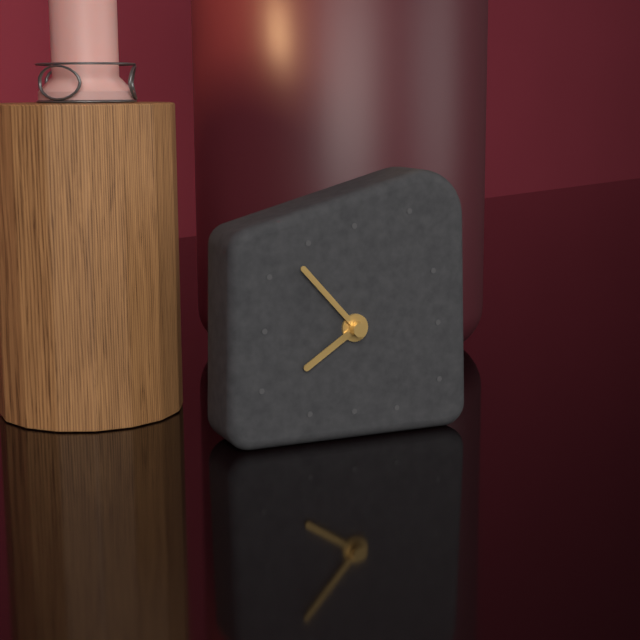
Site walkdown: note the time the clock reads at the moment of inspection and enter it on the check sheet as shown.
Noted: 7:53
